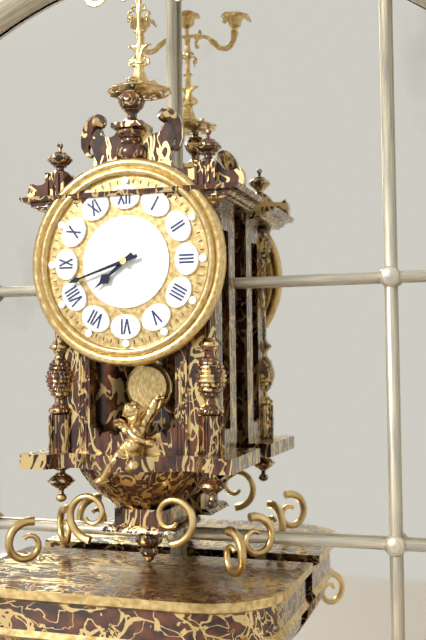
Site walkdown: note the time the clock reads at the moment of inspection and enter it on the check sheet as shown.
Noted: 7:42
